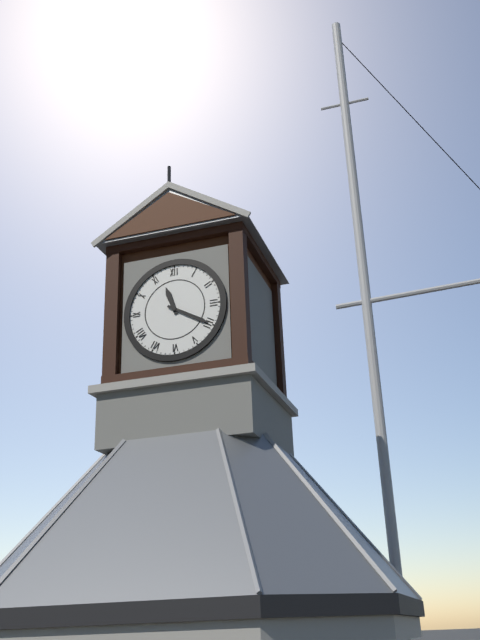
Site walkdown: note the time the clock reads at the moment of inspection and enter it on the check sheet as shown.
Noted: 11:20
